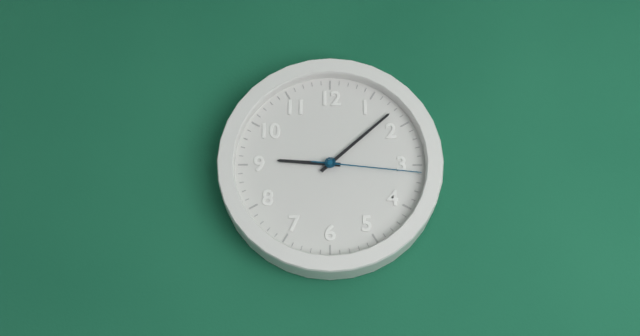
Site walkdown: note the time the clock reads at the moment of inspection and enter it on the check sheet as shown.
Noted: 9:08:16
